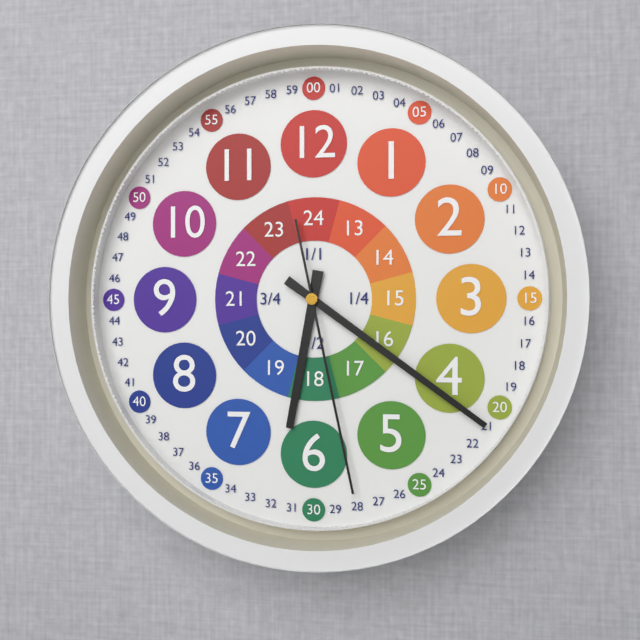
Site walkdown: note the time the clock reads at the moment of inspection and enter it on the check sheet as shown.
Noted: 6:21:28
